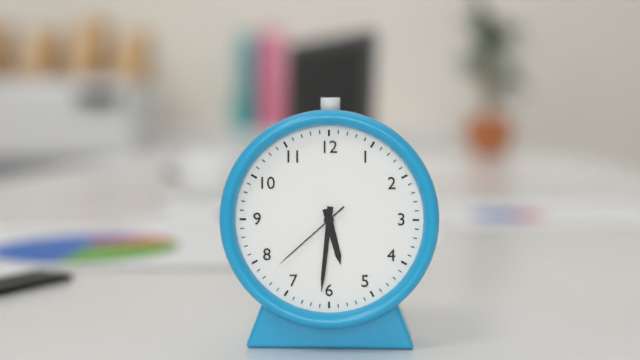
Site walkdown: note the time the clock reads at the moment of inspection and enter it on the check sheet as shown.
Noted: 5:31:38
